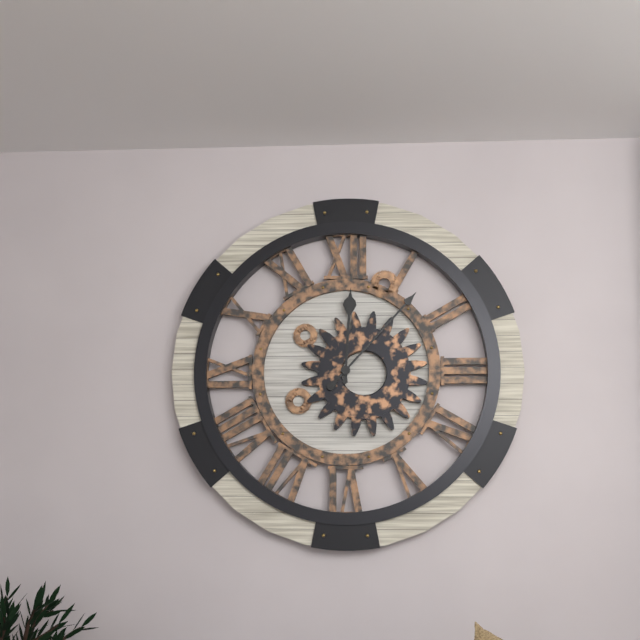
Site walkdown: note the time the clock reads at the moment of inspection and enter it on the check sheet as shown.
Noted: 12:07
